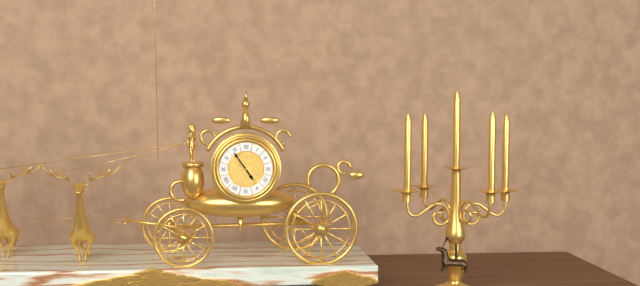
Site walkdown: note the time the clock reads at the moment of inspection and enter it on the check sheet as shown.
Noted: 4:54
